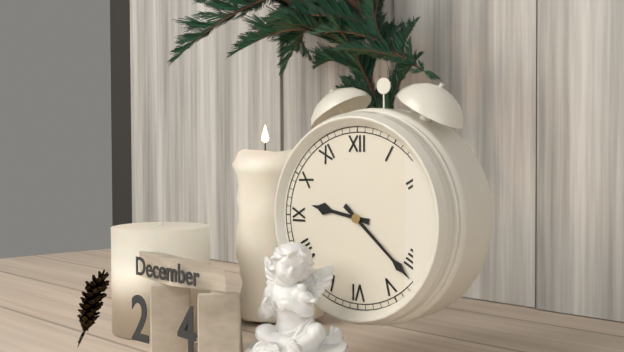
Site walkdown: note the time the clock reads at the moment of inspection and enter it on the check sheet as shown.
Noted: 9:22
